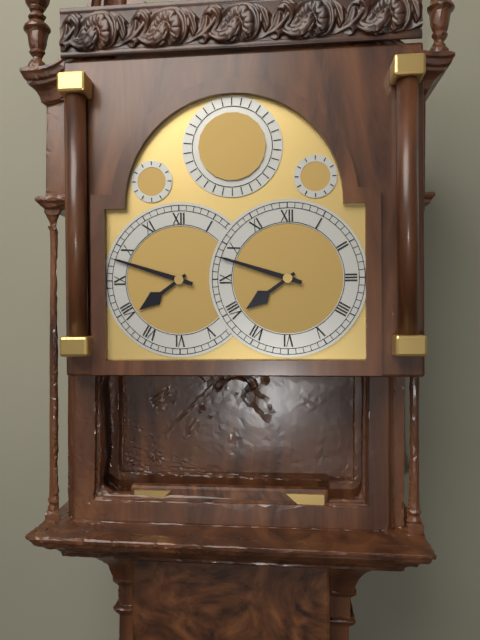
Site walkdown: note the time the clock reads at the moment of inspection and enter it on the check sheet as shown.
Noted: 7:48
